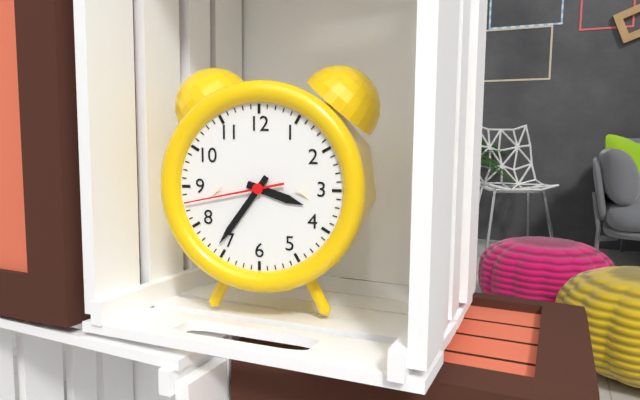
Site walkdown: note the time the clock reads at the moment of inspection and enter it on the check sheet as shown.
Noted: 3:36:43
